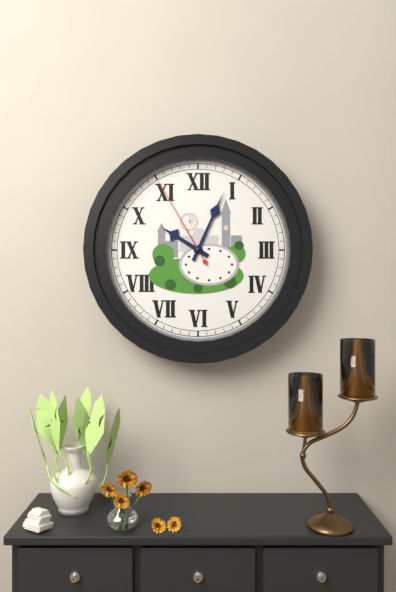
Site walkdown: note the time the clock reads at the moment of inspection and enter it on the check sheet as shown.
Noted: 10:04:55
